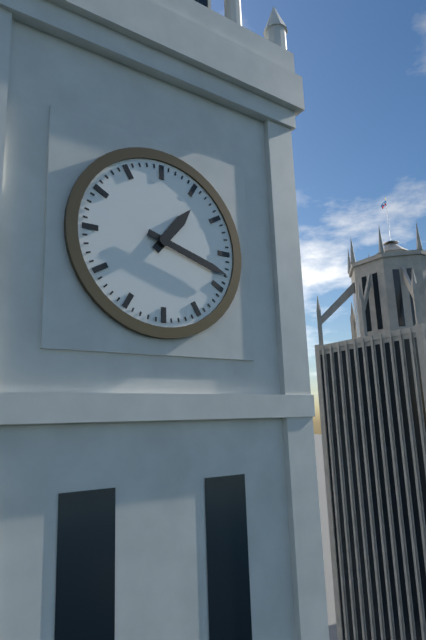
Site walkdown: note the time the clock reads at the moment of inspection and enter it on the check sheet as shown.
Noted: 1:18
